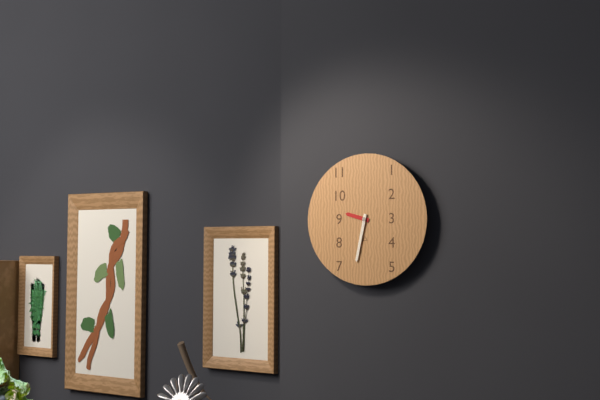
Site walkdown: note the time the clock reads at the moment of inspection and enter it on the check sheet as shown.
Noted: 9:32
